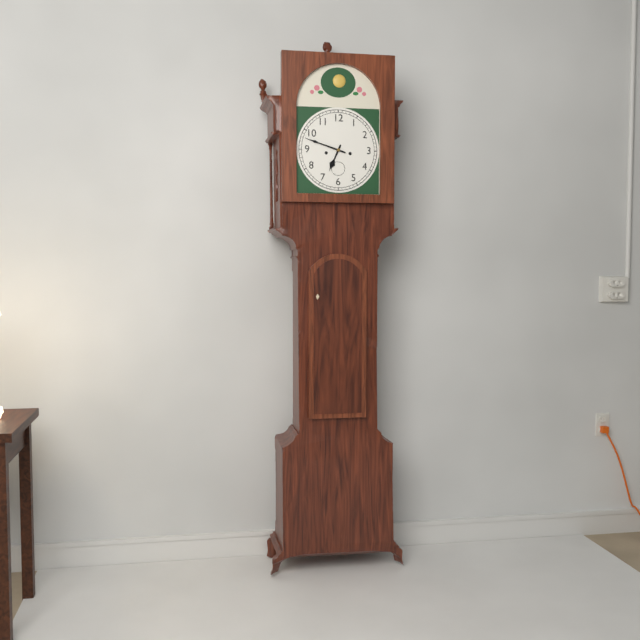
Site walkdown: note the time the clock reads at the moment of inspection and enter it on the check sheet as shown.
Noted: 6:48
